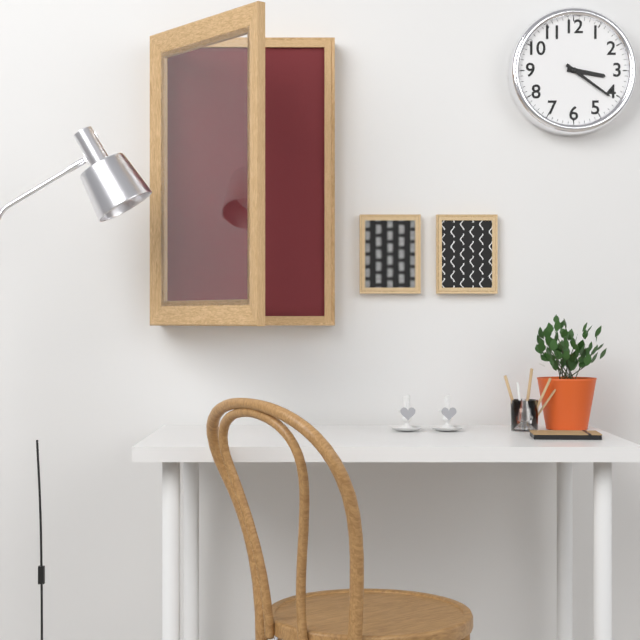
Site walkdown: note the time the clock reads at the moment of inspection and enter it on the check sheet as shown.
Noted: 3:21
